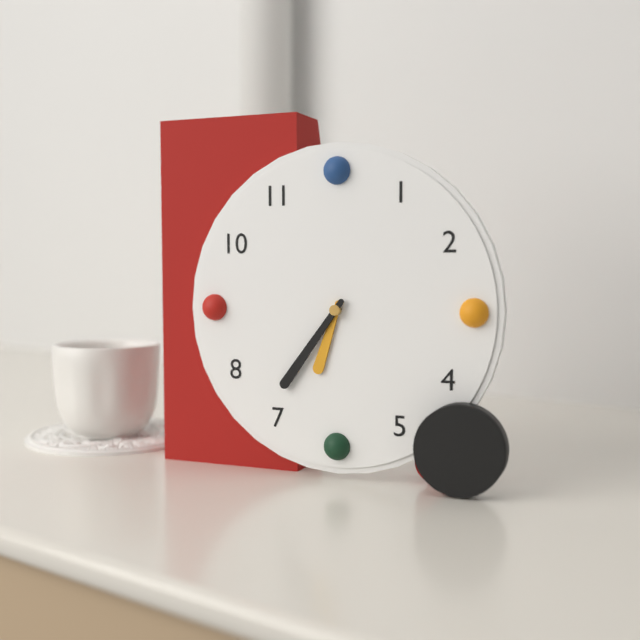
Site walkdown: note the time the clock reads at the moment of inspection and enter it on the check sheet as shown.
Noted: 6:36
